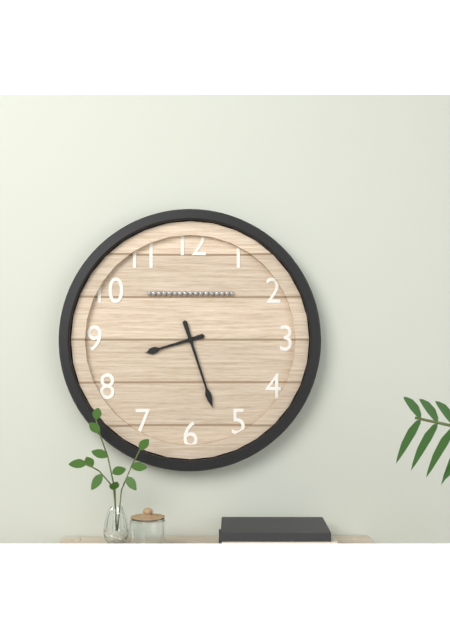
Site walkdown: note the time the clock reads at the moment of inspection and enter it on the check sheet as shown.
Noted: 8:27
